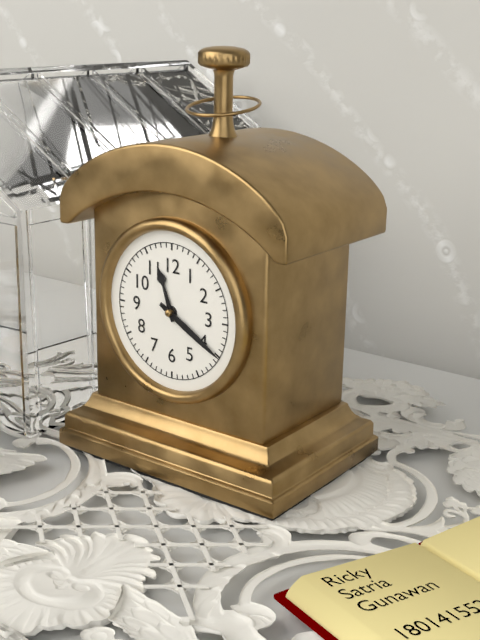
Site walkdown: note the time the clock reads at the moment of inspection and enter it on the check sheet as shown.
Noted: 11:20
